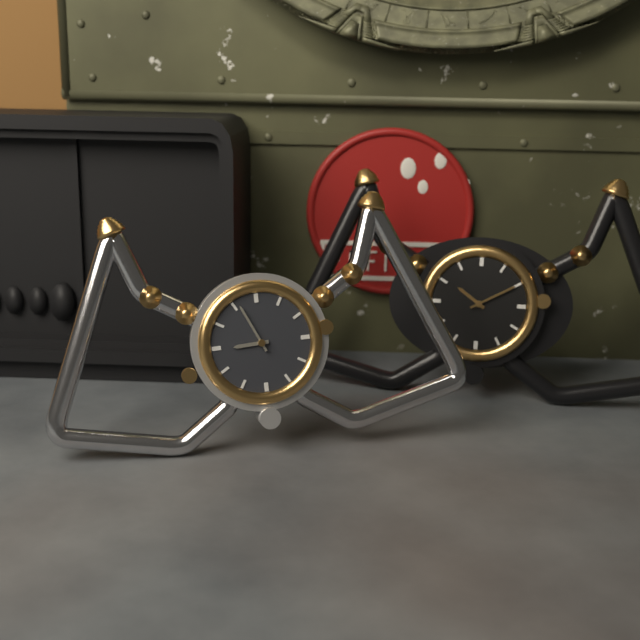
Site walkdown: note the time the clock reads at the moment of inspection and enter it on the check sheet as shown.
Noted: 8:56
